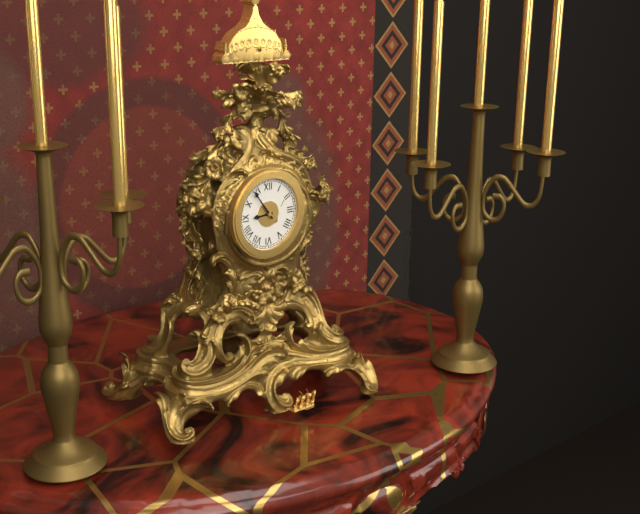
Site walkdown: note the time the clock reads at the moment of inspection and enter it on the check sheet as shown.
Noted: 8:54
